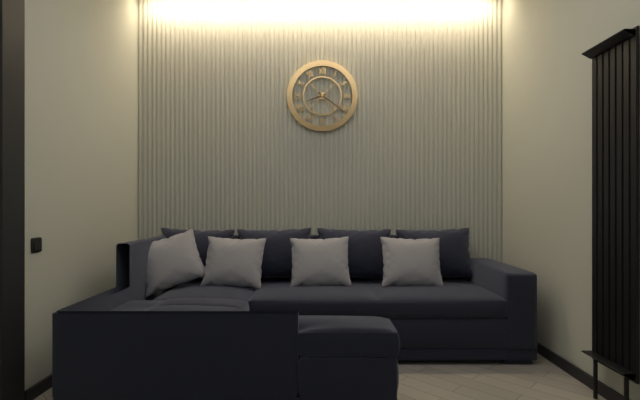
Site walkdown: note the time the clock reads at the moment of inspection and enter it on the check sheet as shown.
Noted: 8:21
